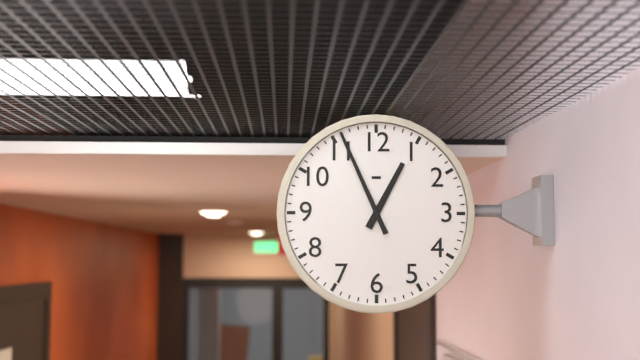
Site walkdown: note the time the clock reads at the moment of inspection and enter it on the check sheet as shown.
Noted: 12:56
